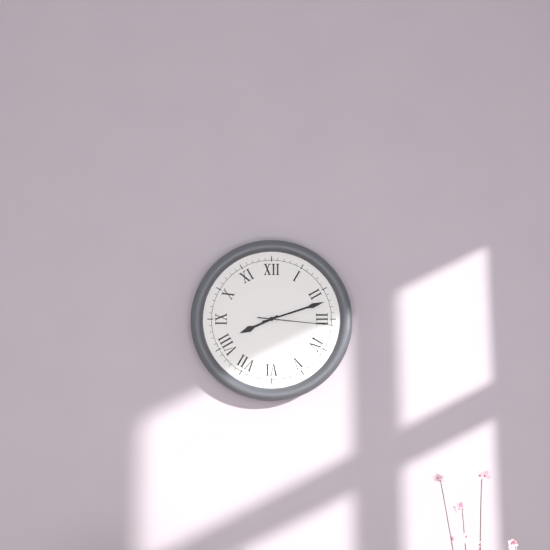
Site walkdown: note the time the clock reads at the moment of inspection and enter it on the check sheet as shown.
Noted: 8:12:16
